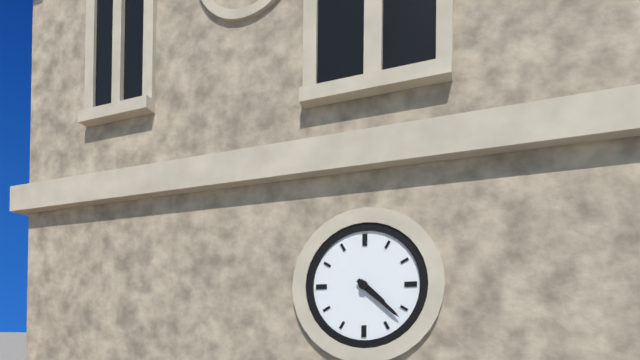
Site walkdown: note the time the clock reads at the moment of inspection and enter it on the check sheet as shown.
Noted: 4:22
